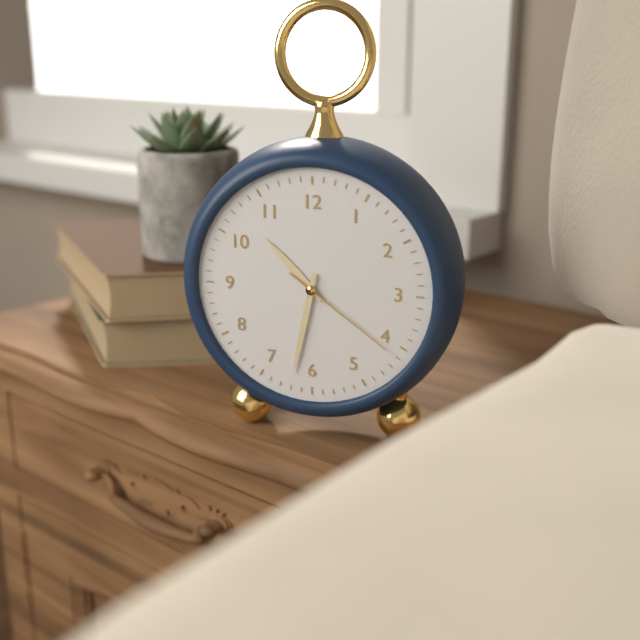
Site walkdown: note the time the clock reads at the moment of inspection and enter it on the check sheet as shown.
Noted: 10:32:21
